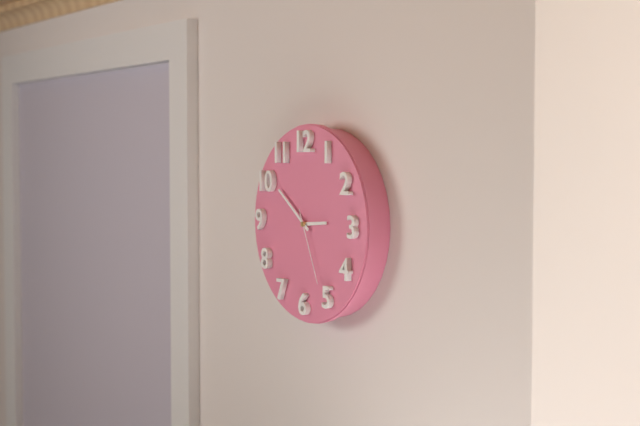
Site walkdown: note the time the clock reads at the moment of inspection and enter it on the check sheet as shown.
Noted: 2:51:26
